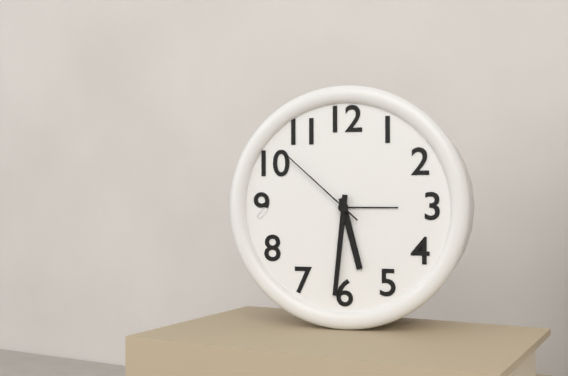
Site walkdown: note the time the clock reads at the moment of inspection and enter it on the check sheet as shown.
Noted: 5:31:52
